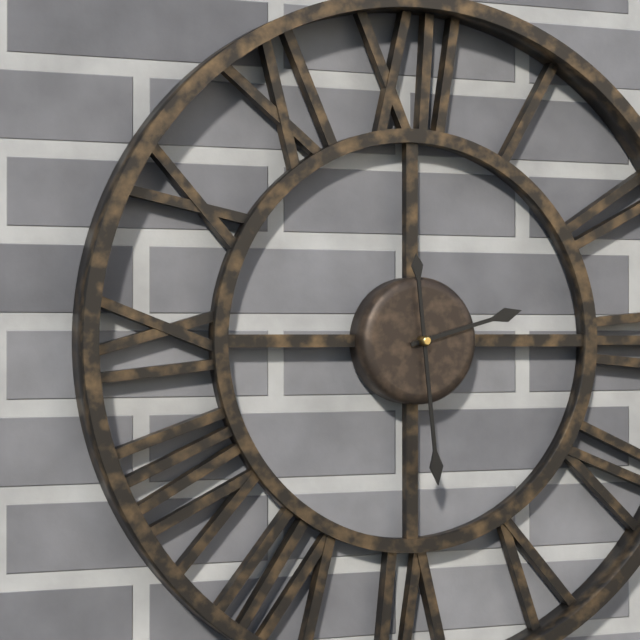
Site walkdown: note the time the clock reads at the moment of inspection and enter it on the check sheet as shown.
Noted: 2:29
